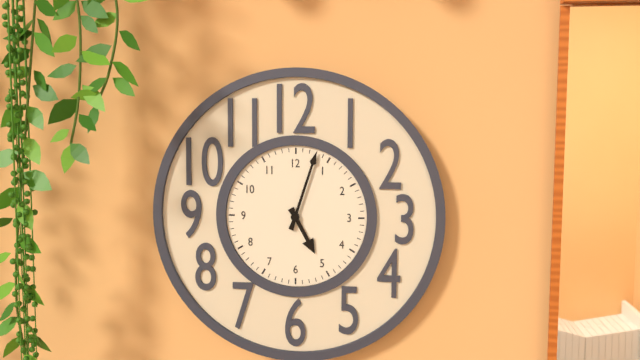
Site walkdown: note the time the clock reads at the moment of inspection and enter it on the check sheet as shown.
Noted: 5:03
